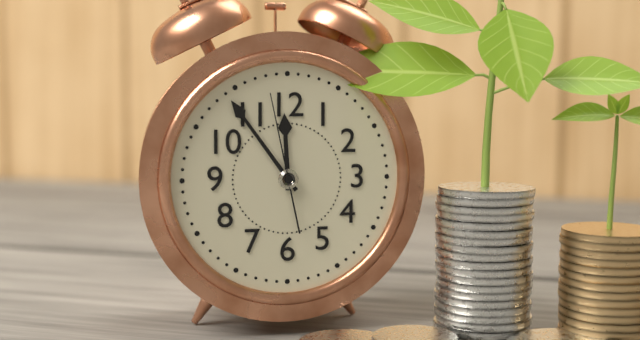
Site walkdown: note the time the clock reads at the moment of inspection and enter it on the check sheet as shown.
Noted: 11:54:58
